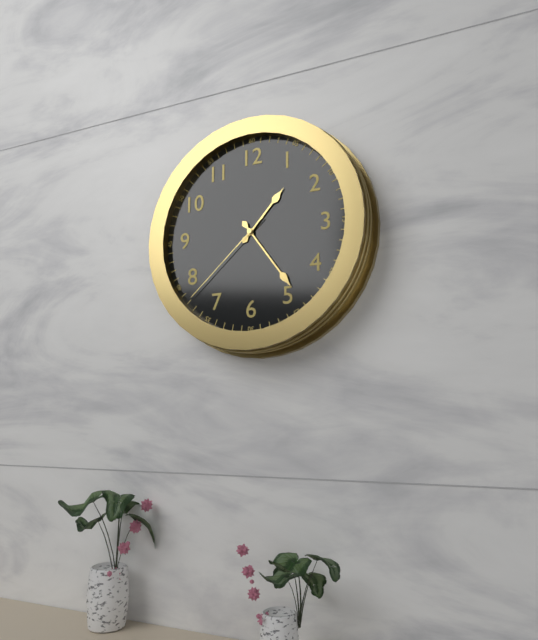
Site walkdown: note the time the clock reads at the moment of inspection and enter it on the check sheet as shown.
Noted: 1:24:38
